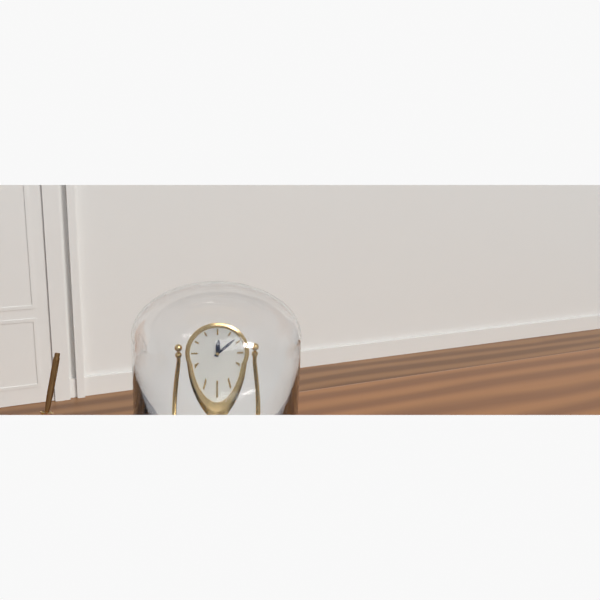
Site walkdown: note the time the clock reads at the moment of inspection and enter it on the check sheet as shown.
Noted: 12:08
